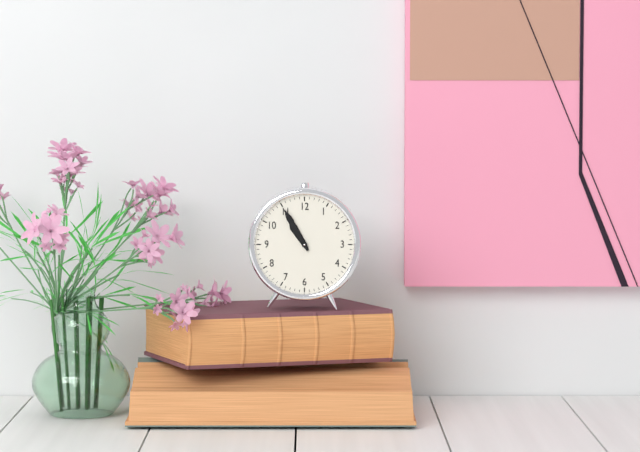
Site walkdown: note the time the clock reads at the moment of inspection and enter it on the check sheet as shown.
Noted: 10:55
